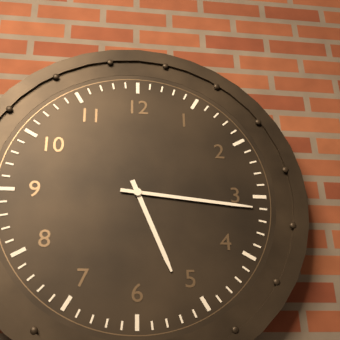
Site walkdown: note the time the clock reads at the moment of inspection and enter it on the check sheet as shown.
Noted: 5:16
